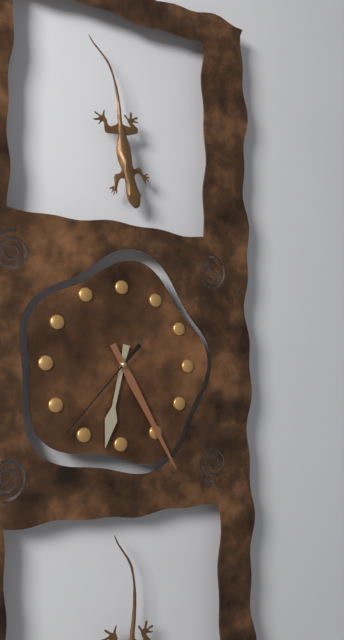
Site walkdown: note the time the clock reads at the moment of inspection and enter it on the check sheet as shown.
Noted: 6:25:37
